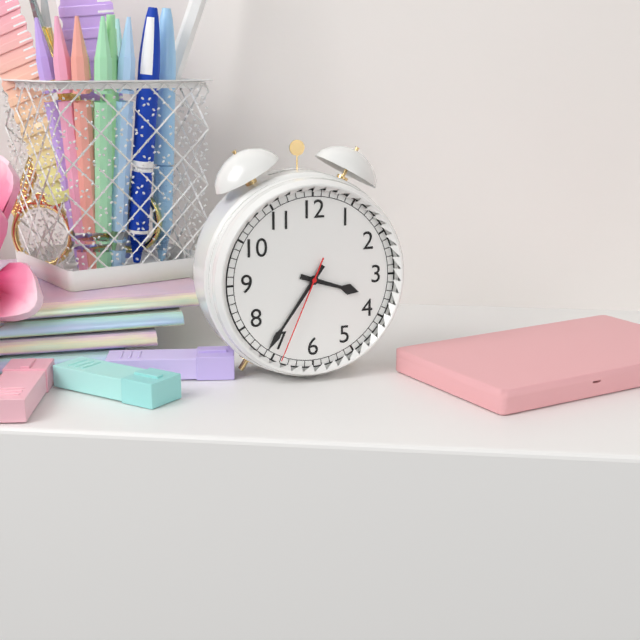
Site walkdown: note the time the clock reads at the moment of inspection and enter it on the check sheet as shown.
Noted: 3:36:34
